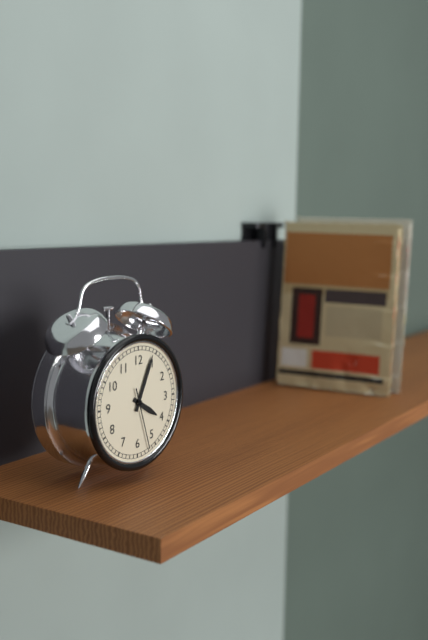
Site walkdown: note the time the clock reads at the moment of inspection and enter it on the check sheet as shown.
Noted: 4:04:27
